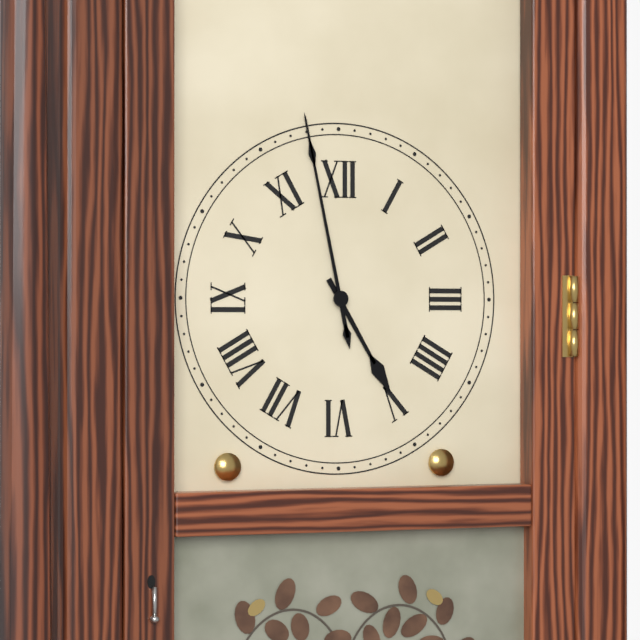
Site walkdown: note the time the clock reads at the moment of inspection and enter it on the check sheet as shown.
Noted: 4:58
